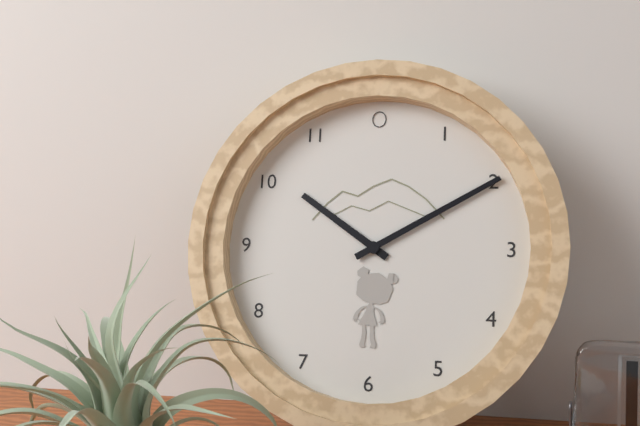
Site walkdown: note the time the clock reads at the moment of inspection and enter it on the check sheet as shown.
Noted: 10:10
